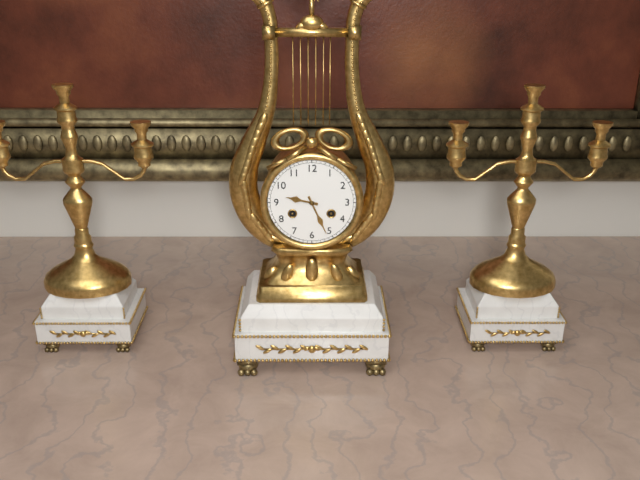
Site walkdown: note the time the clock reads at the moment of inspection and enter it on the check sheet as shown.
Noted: 9:26
